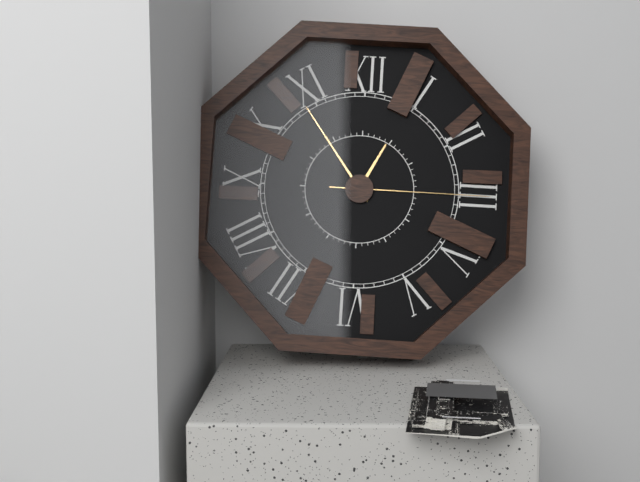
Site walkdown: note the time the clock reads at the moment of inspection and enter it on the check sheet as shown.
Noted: 12:54:15
